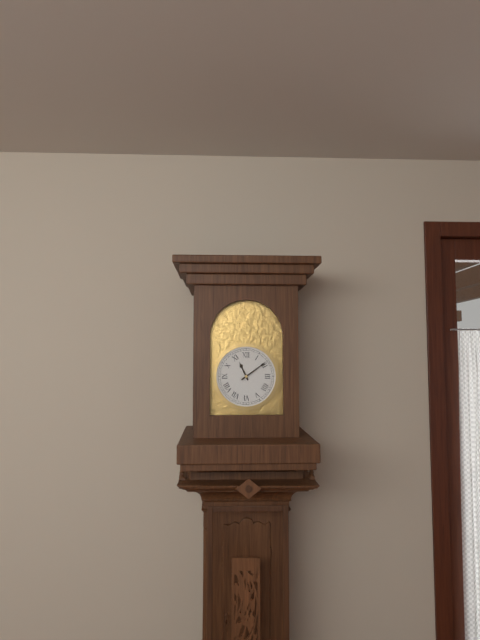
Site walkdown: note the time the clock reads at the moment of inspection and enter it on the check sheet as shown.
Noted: 11:09
